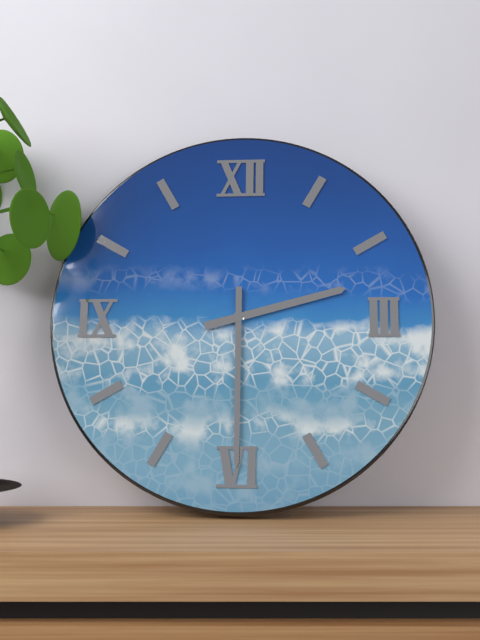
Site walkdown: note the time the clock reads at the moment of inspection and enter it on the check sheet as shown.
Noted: 2:30
